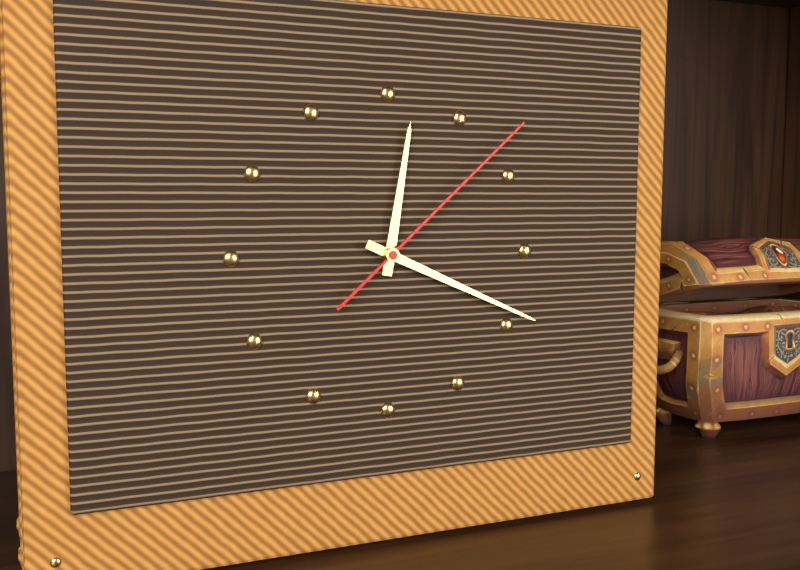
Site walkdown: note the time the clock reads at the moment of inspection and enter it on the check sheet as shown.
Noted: 12:19:08
